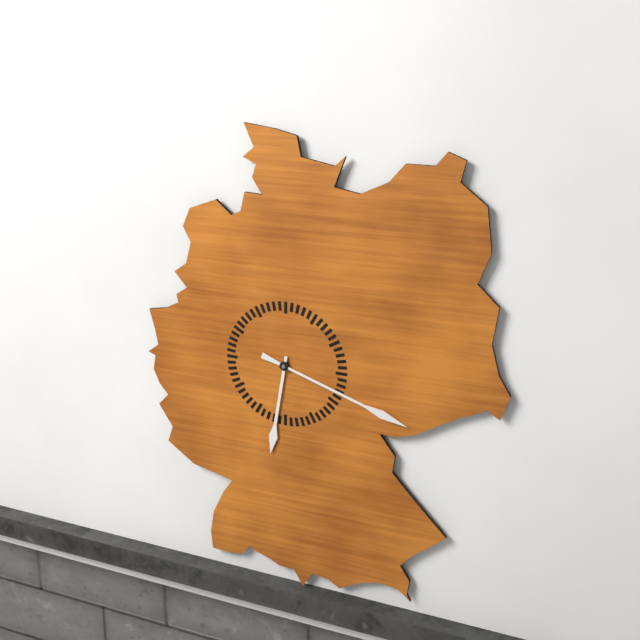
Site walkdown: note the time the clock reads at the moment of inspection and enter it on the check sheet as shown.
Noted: 6:18
